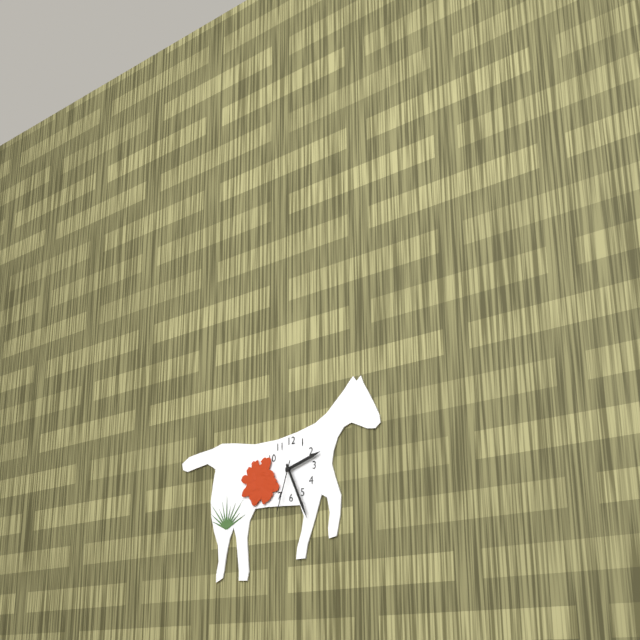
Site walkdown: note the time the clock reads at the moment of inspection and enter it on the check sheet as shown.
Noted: 2:26:33
